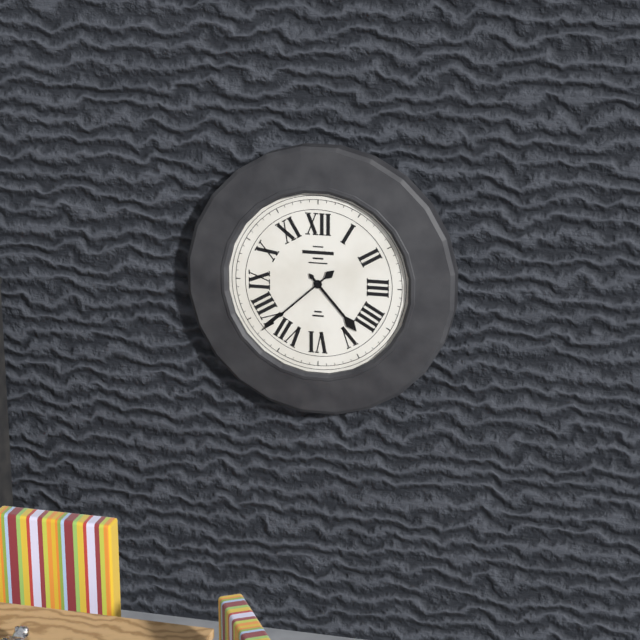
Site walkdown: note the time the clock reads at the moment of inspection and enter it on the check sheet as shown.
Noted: 4:38
